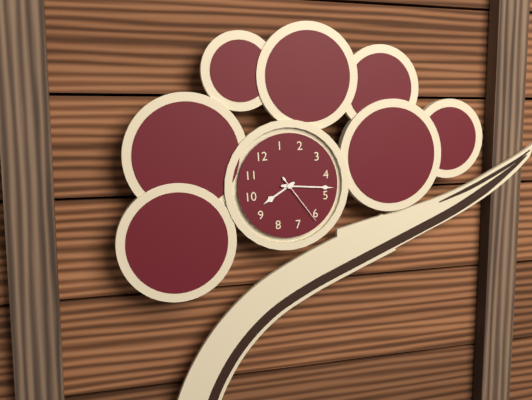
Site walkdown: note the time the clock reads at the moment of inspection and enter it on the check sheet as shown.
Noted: 9:23:31
